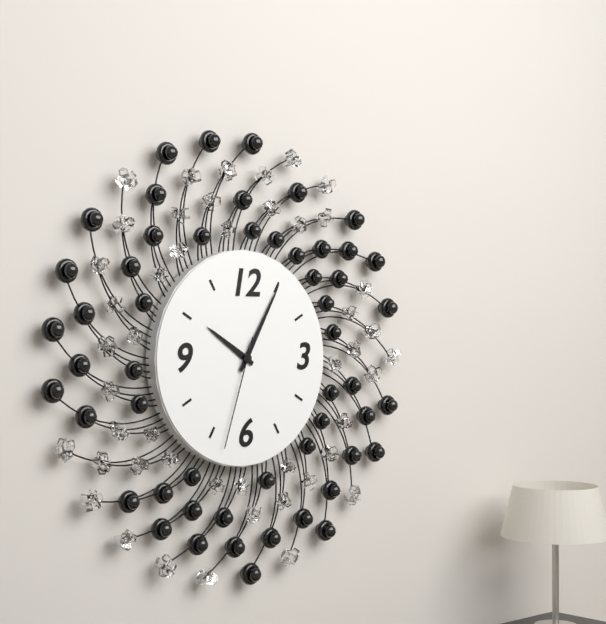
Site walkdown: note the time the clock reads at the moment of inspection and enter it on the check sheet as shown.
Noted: 10:05:33
